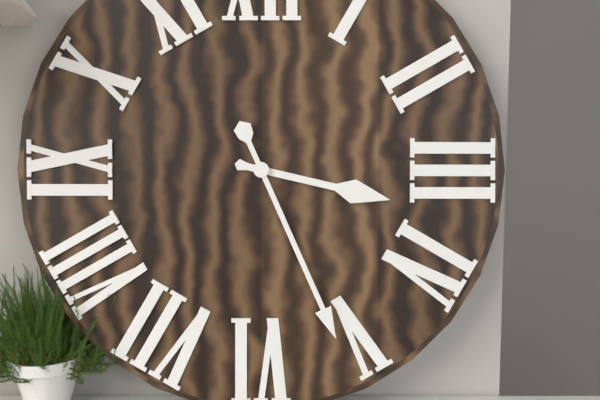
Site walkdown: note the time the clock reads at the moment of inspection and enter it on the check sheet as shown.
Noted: 3:26
